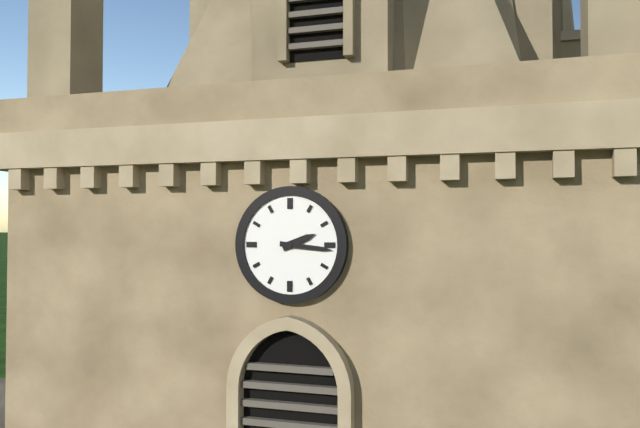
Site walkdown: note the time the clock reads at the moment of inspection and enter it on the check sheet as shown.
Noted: 2:16
